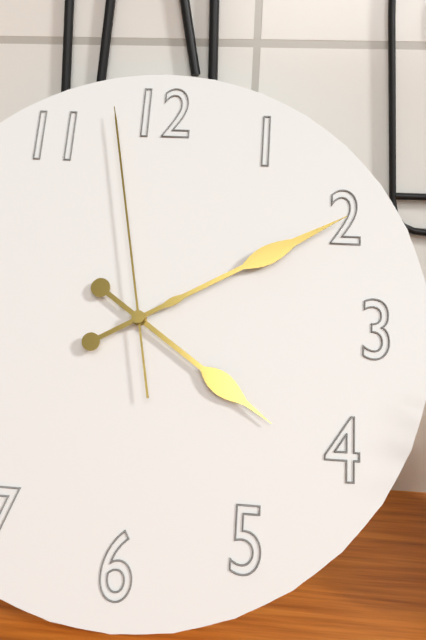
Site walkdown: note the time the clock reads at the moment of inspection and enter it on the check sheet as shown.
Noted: 4:10:58
